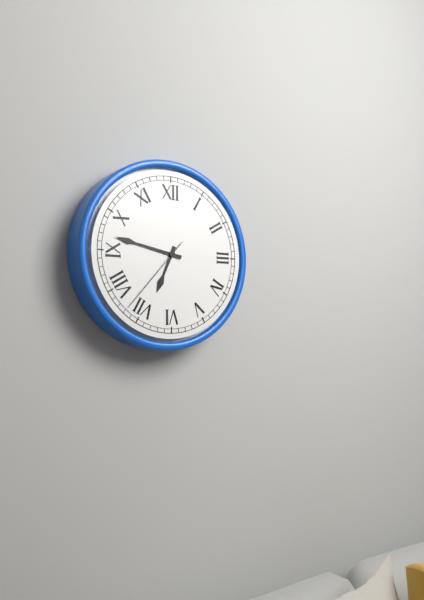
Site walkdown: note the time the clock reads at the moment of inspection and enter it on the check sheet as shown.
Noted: 6:47:37
